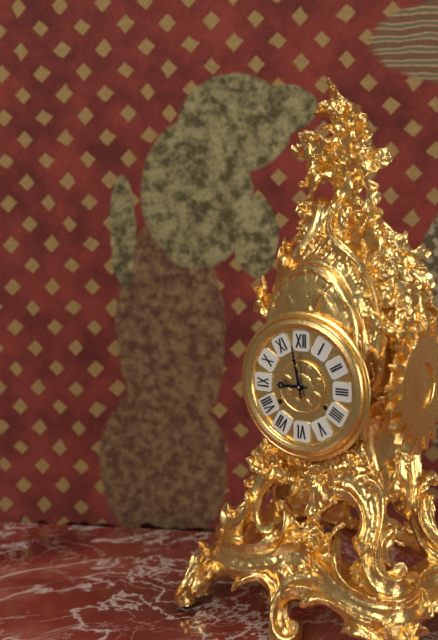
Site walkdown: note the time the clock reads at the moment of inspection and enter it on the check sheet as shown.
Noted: 8:58
